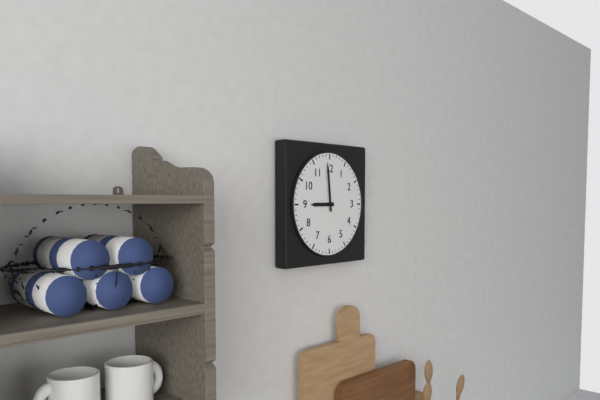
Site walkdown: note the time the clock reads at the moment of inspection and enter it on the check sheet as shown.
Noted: 8:59
